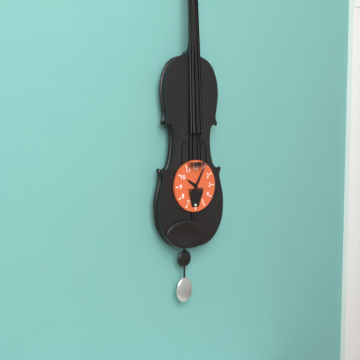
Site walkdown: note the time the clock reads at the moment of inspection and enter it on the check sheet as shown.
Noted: 10:05
